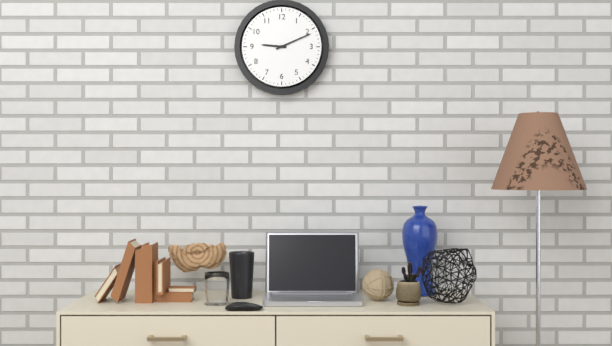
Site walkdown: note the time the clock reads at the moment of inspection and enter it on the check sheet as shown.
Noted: 9:11
